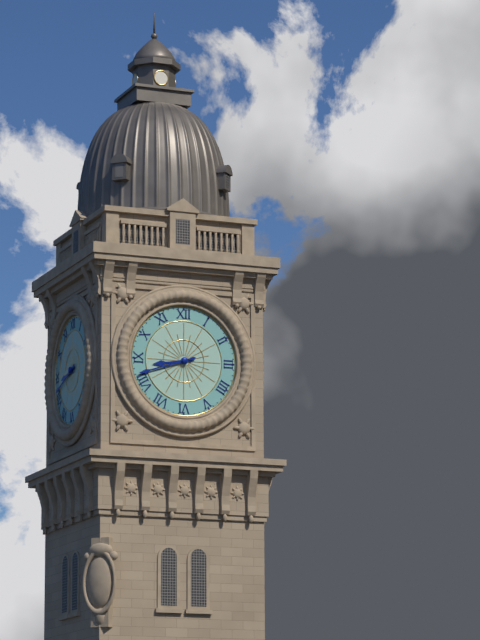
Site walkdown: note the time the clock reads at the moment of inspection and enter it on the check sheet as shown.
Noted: 8:42
